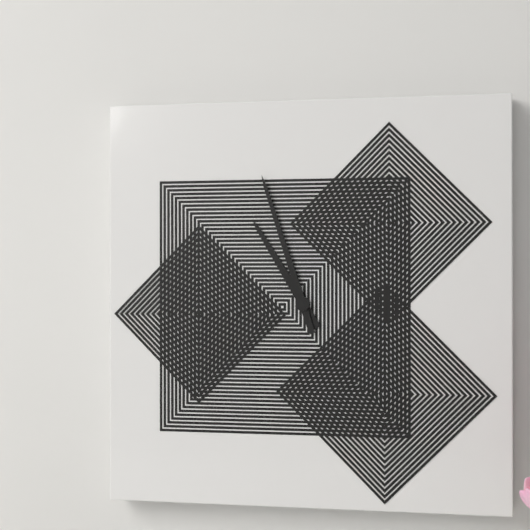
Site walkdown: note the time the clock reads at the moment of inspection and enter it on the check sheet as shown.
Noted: 10:57
